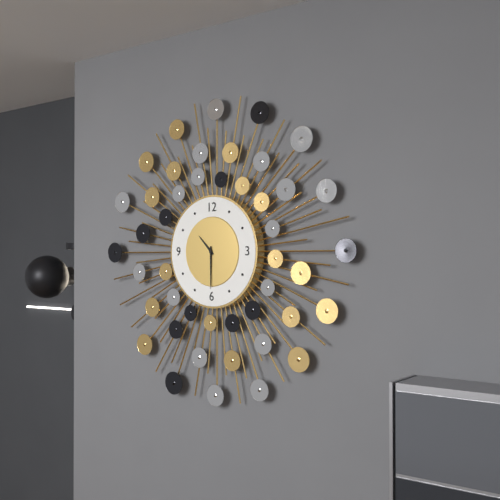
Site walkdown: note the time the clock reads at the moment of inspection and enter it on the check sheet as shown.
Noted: 10:30
